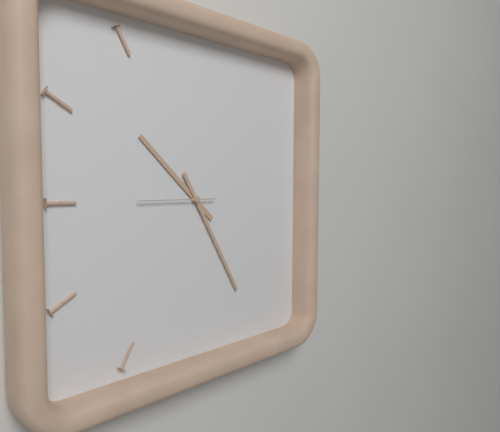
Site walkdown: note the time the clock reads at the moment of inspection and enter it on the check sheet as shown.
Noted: 10:25:45
